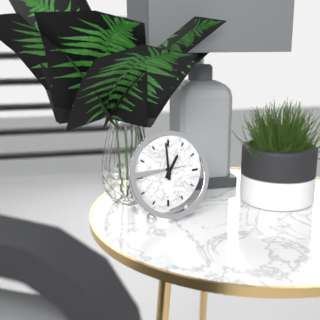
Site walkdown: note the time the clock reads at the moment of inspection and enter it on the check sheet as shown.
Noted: 12:59
